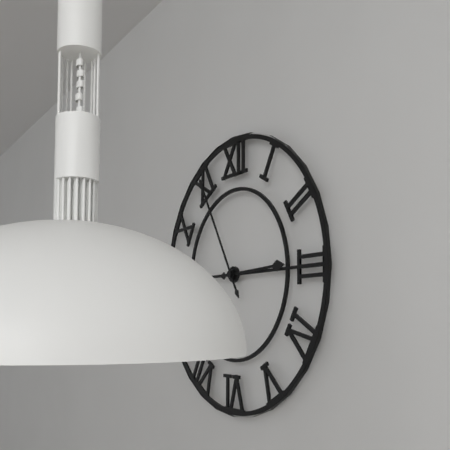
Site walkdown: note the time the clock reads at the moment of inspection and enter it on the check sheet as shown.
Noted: 2:55
